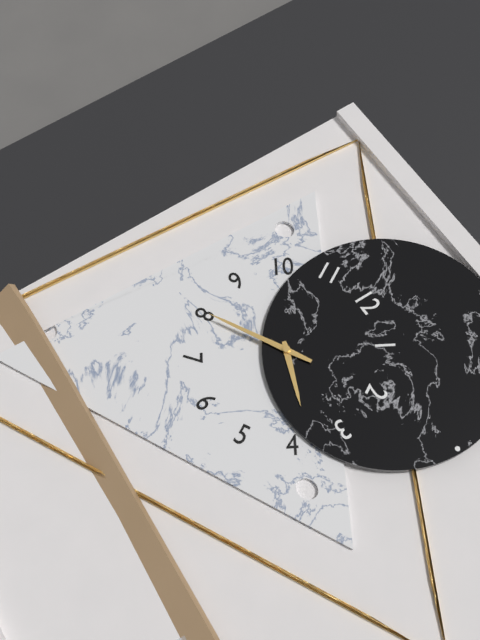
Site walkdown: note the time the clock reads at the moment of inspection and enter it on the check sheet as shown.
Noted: 3:40
